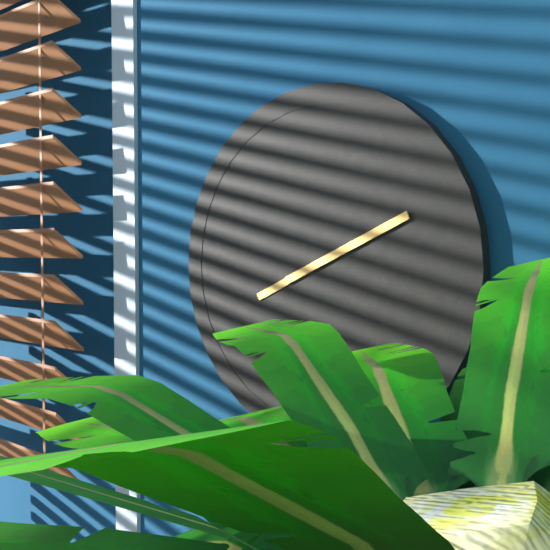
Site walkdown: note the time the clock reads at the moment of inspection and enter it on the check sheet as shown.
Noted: 8:11
